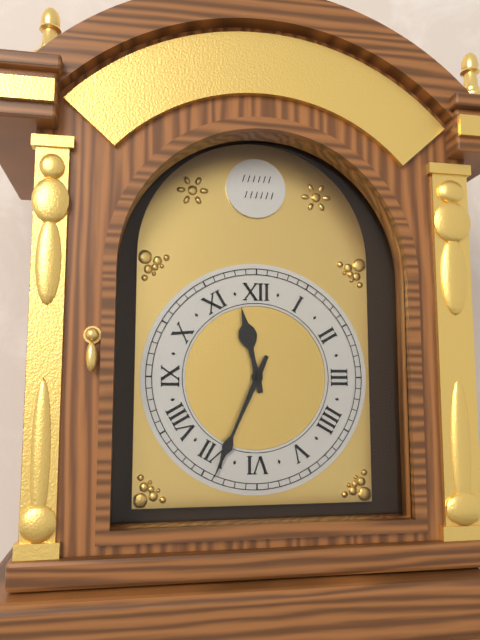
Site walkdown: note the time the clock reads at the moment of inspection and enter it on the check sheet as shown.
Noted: 11:34
